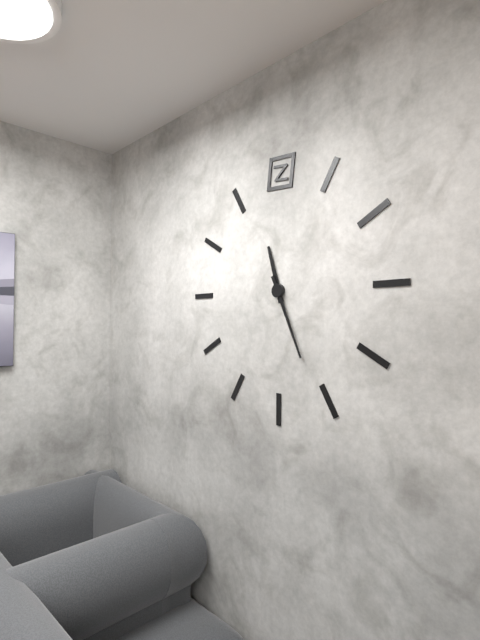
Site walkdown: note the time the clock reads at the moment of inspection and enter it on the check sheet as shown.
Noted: 11:26
